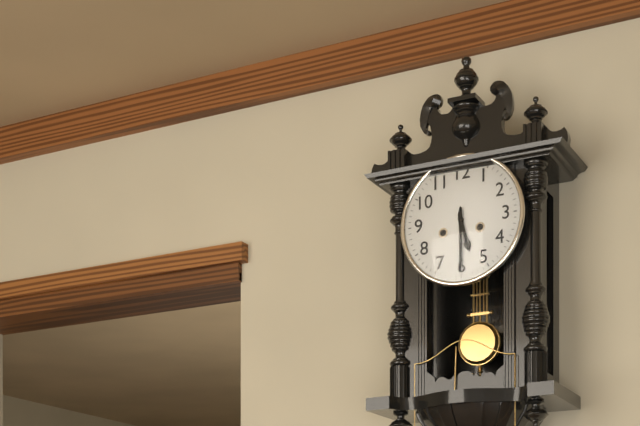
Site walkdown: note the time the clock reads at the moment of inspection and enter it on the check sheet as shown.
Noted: 5:30
